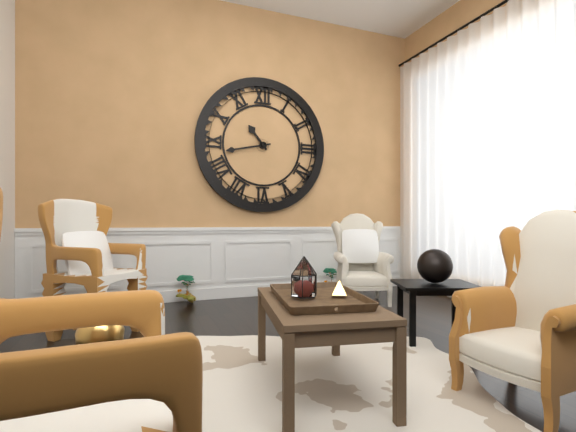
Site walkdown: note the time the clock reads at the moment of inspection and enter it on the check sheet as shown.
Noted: 10:43
